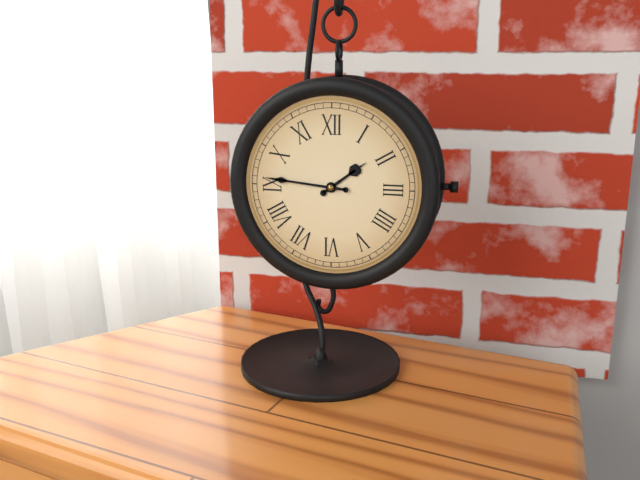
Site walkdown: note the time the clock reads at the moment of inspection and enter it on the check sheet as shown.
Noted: 1:46
